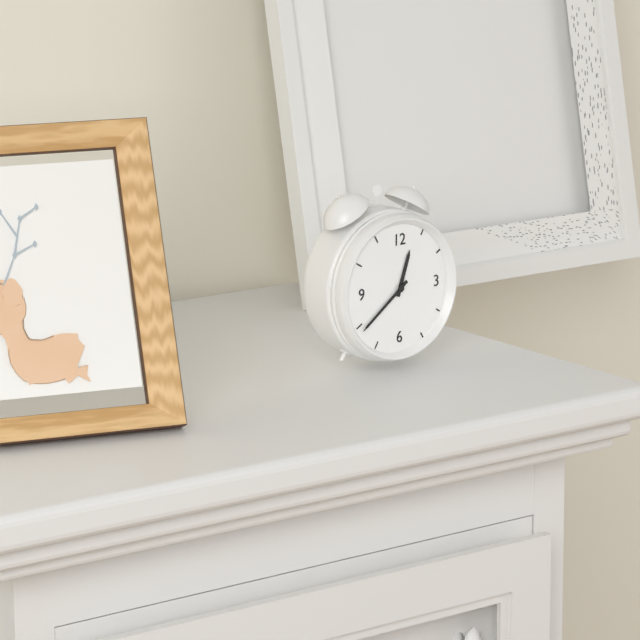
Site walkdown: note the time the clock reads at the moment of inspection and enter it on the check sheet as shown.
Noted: 12:39
